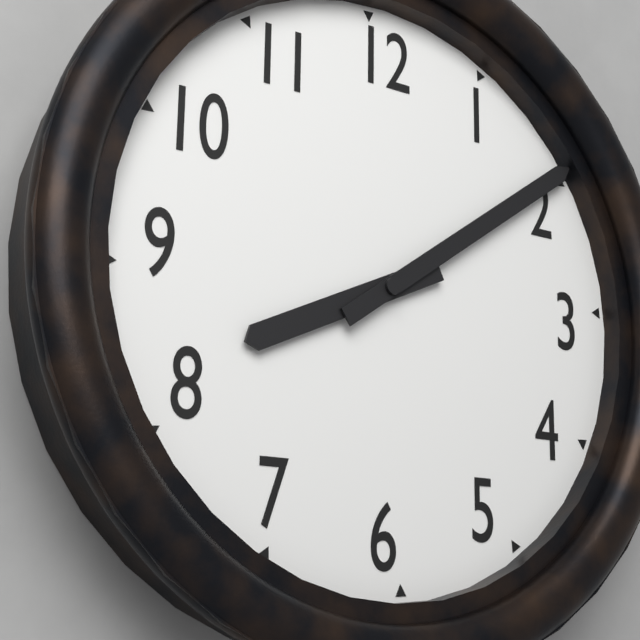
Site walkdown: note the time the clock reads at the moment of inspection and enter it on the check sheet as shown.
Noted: 8:09
